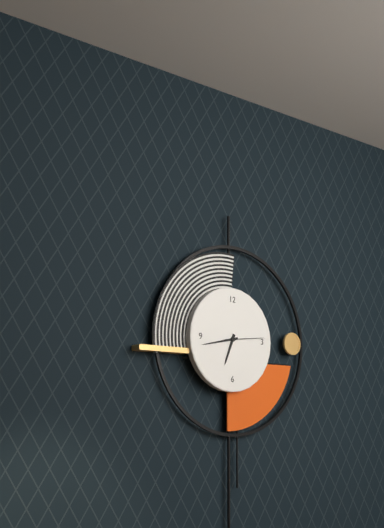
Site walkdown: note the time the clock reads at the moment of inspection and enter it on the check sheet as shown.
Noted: 6:43
